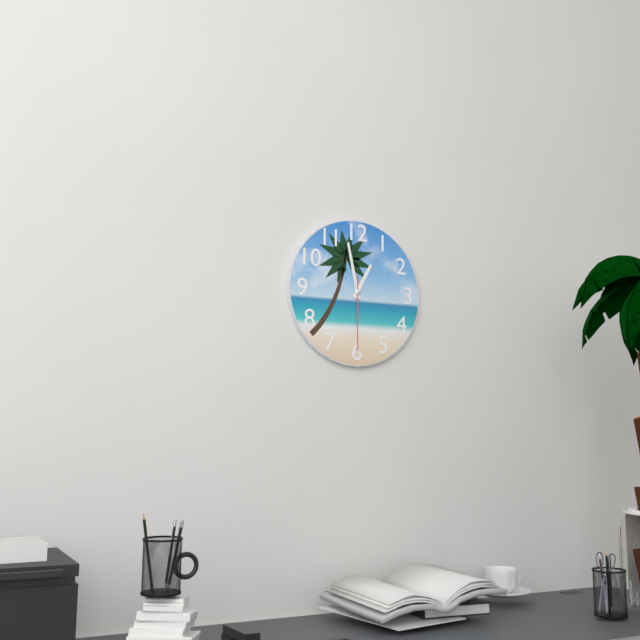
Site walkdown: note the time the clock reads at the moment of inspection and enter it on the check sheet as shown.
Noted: 12:58:30
